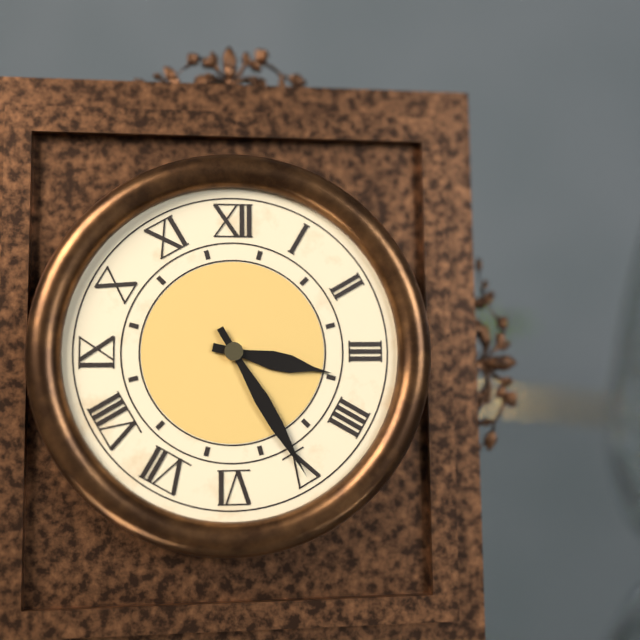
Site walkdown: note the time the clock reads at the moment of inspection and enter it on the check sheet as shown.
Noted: 3:25
